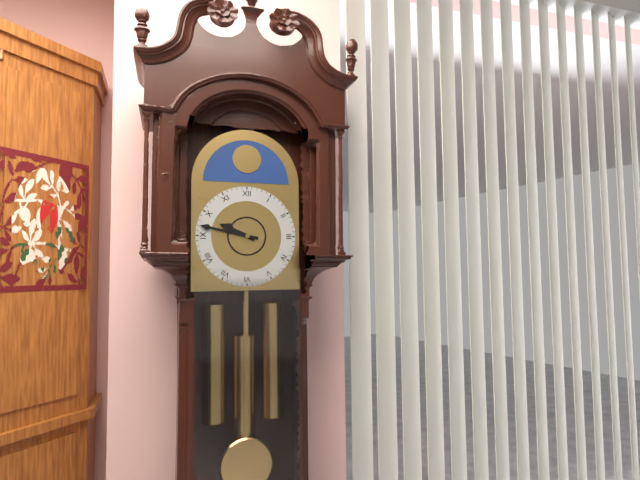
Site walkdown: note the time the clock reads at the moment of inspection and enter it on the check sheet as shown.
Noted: 9:47
